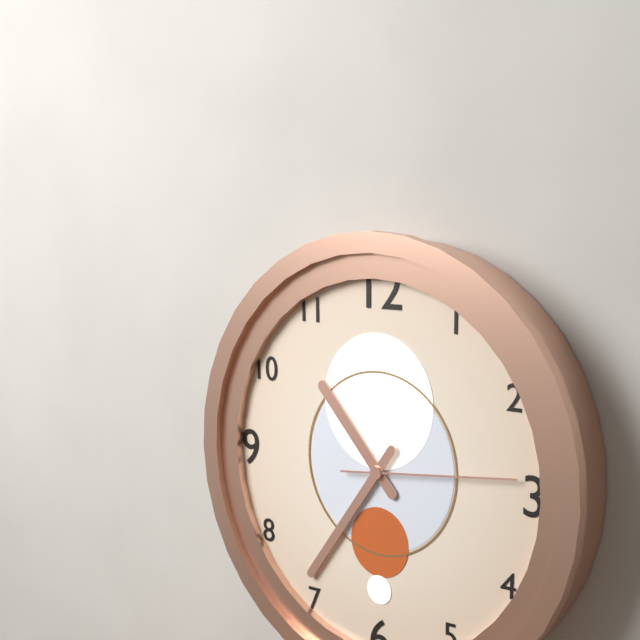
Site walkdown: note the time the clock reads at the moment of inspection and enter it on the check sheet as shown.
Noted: 10:36:14
